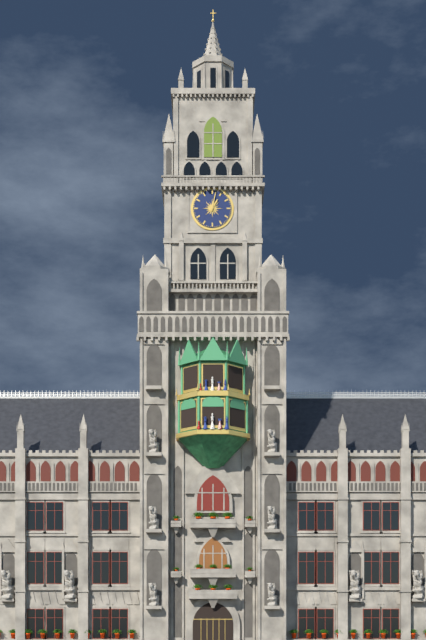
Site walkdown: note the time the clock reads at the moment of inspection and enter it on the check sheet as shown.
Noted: 1:02
